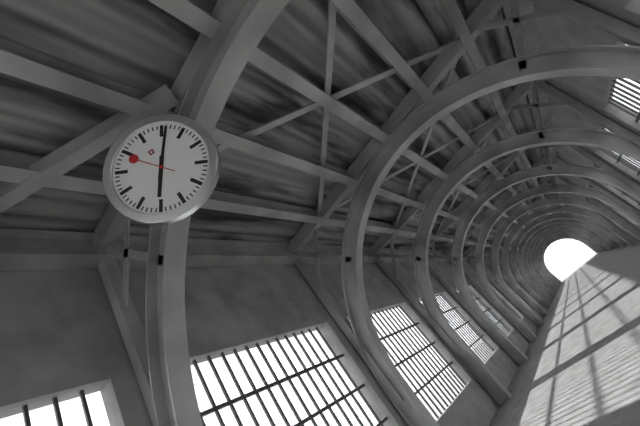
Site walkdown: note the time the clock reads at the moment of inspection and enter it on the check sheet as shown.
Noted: 7:06
